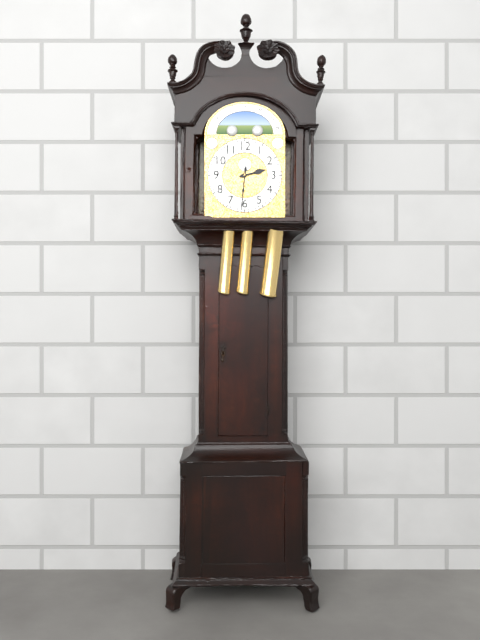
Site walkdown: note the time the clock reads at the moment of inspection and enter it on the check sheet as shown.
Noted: 2:31
